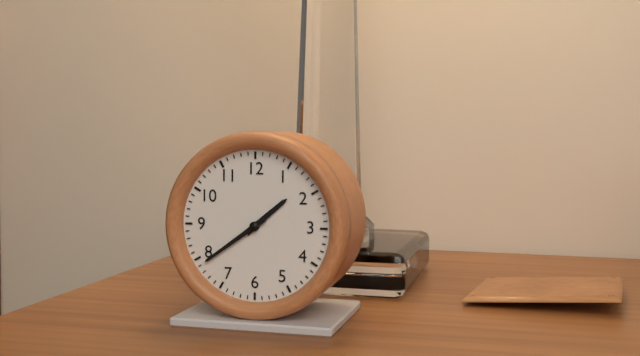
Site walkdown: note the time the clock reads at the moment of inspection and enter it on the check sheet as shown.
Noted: 1:39
